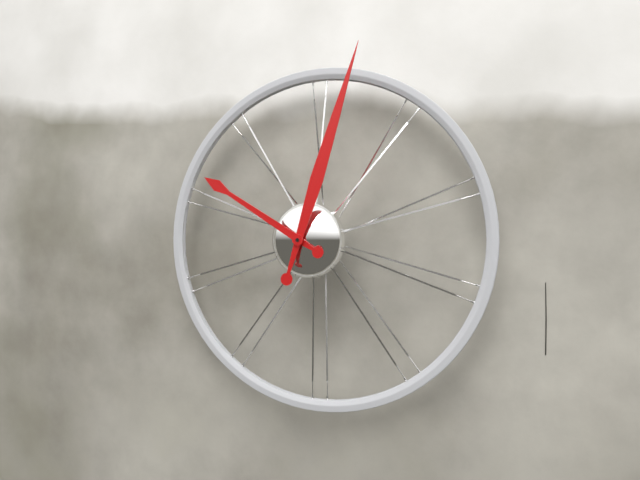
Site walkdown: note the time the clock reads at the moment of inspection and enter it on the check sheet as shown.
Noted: 10:03
